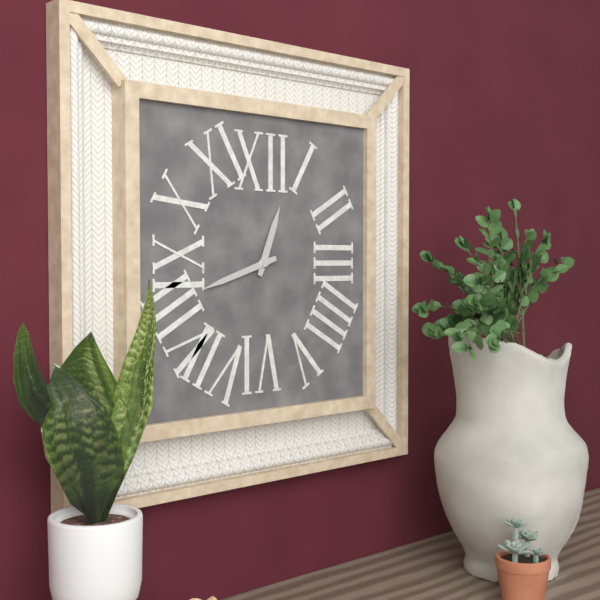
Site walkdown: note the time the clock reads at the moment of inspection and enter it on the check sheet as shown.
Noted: 12:42
